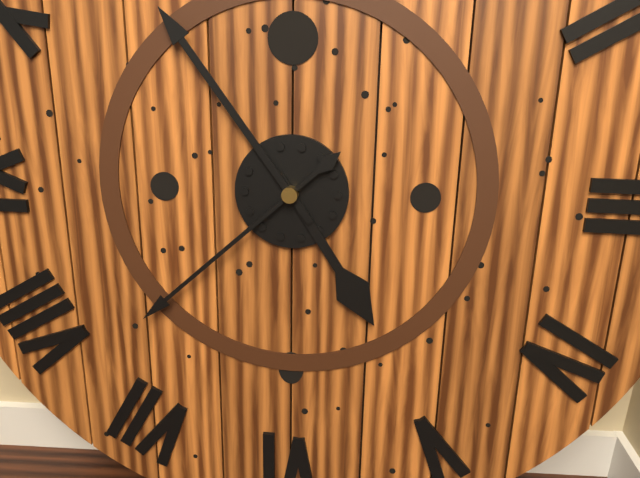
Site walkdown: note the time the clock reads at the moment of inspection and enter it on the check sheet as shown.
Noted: 4:54:38
